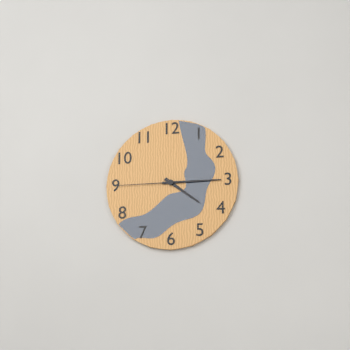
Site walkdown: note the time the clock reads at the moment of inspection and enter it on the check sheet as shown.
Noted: 4:15:45
